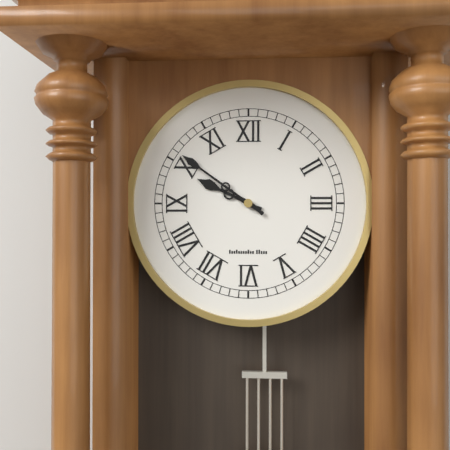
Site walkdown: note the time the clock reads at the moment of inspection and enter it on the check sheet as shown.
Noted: 9:51
